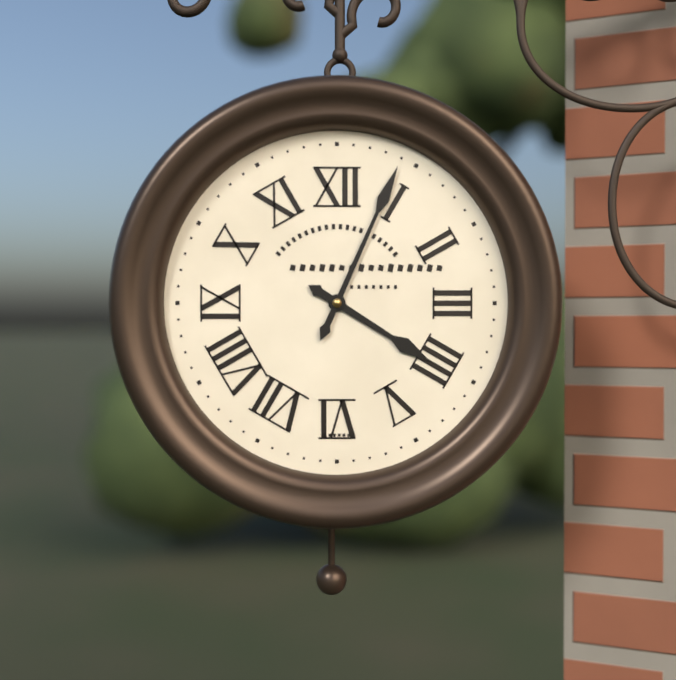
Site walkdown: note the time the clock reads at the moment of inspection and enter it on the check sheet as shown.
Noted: 4:04
